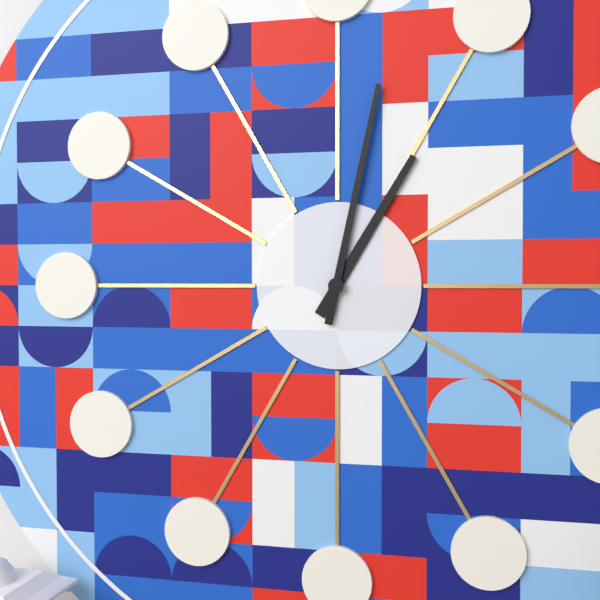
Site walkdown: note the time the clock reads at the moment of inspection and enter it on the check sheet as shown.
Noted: 1:02
